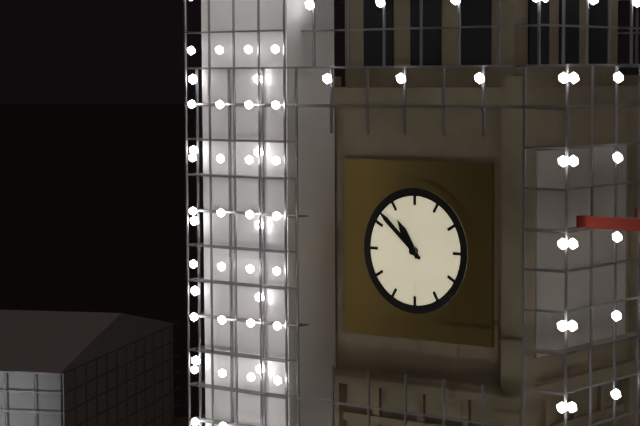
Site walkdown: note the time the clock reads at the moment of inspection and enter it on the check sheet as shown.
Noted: 10:52
